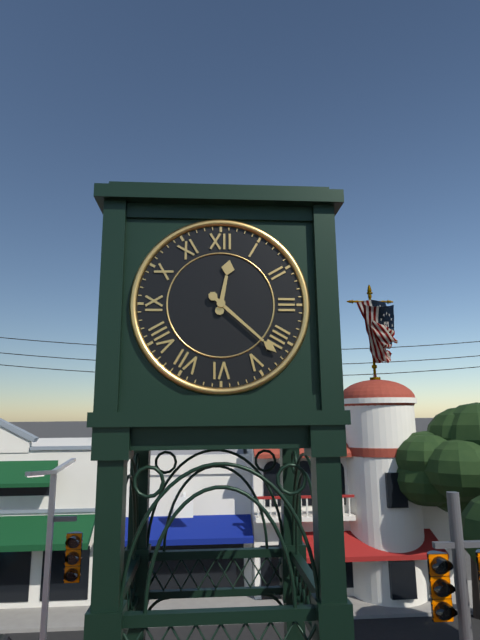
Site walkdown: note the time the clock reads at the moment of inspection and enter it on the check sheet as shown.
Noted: 12:22
